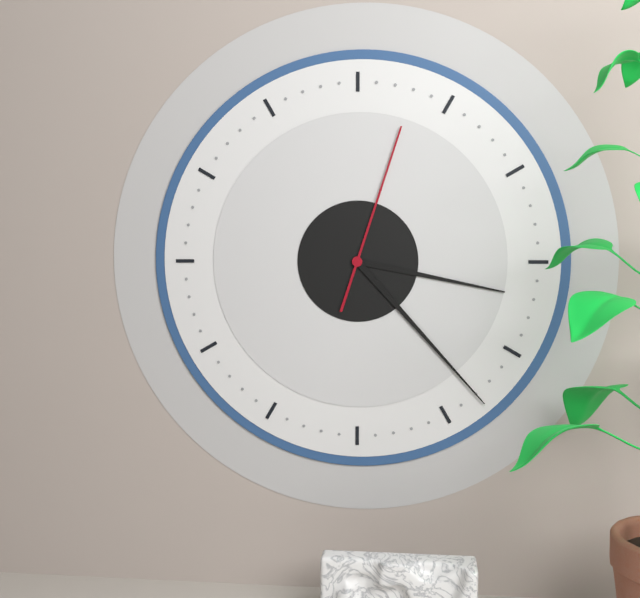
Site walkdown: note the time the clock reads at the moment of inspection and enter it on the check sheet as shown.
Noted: 3:23:03
